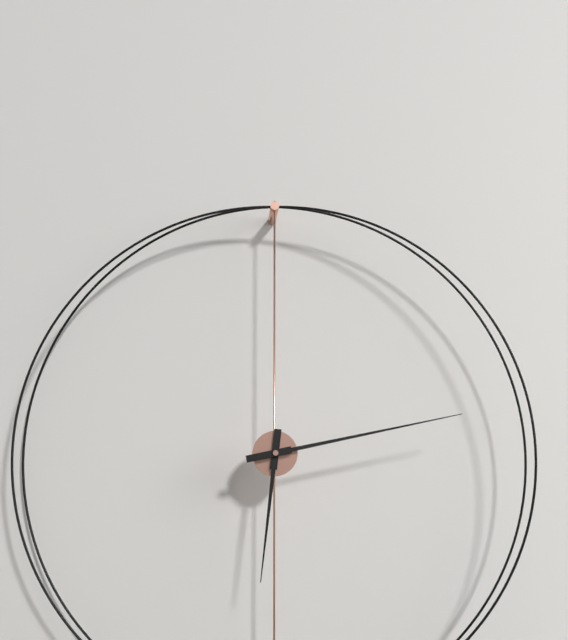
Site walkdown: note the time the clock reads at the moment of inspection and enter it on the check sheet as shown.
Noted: 6:13
